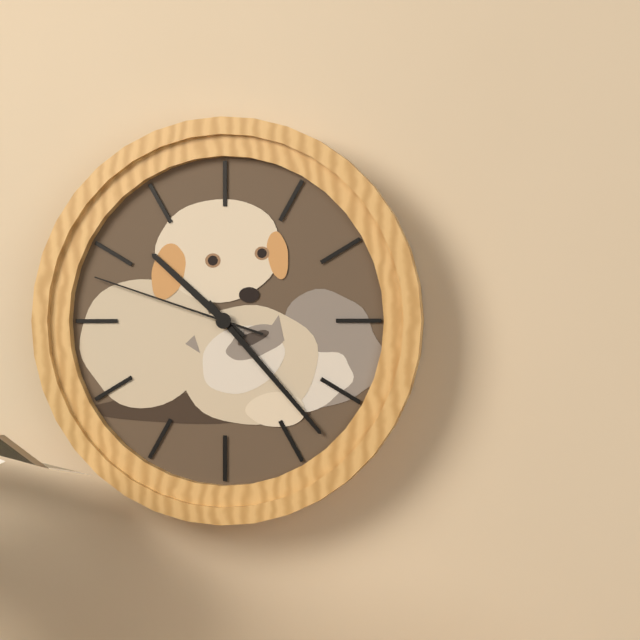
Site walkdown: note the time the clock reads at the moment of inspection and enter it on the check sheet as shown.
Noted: 10:23:48
